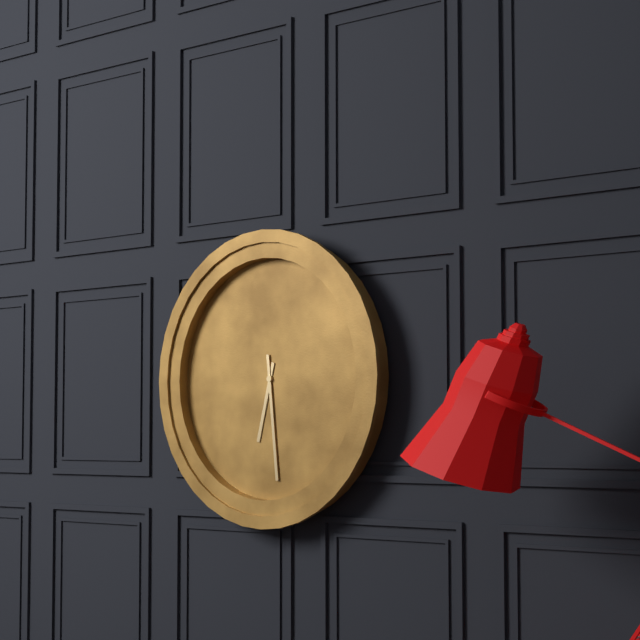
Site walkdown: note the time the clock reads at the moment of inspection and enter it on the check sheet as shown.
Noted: 6:29
